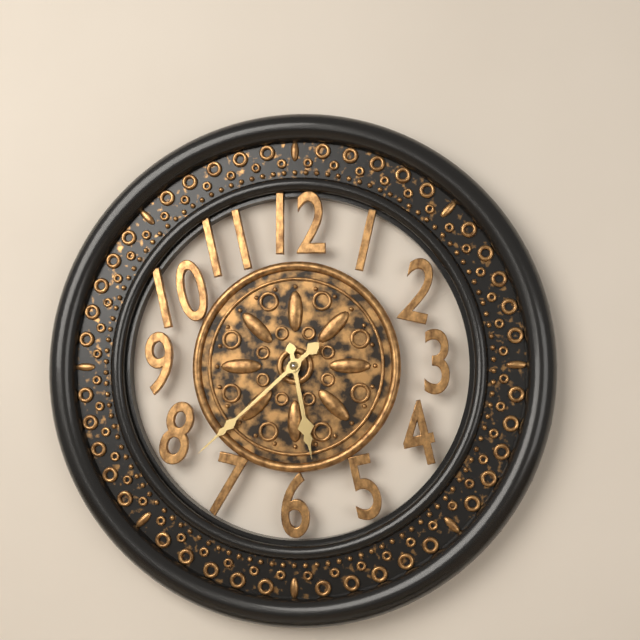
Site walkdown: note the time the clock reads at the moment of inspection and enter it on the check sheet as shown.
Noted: 5:38
